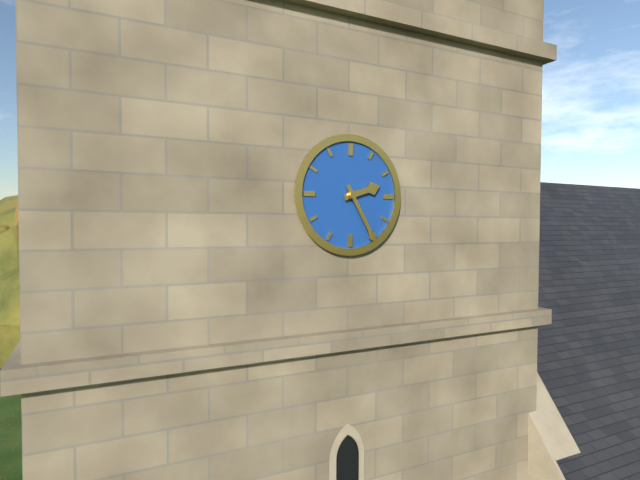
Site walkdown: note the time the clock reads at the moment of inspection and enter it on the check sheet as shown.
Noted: 2:25
